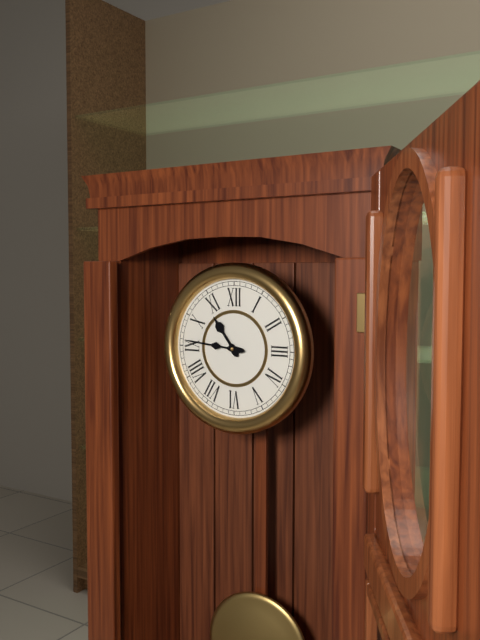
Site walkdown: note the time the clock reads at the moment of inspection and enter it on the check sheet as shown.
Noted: 10:46
